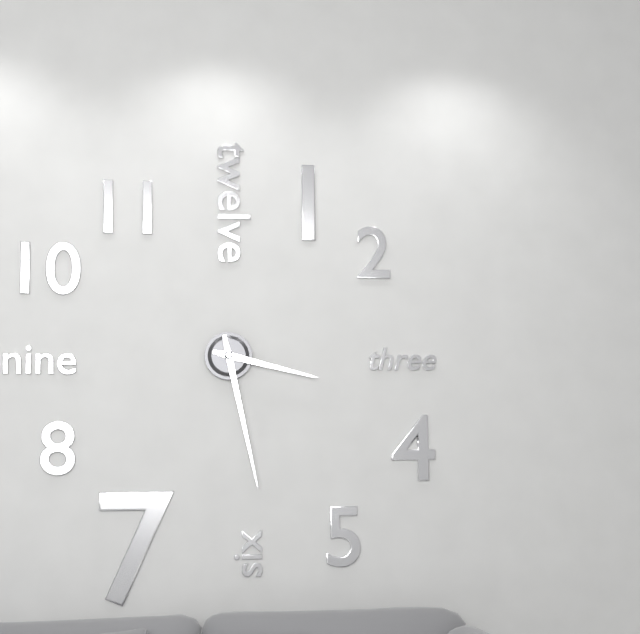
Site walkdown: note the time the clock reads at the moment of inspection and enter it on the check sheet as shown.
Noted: 3:28
